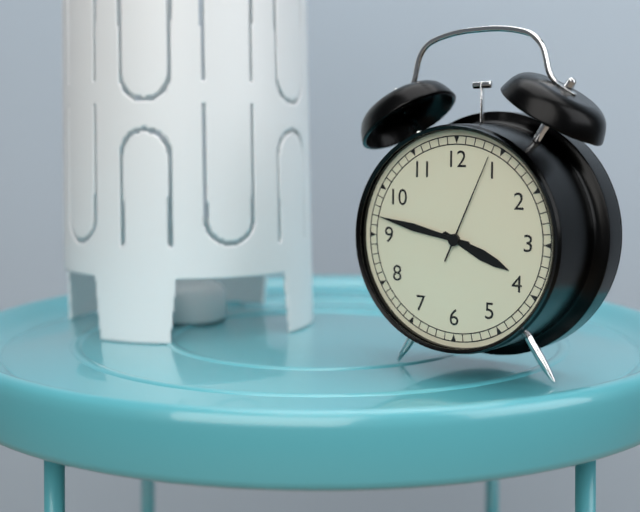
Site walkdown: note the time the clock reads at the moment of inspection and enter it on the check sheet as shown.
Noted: 3:47:04
